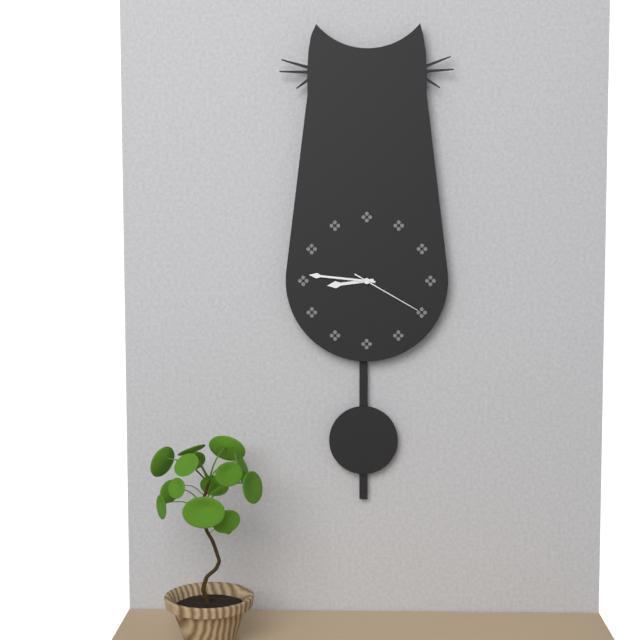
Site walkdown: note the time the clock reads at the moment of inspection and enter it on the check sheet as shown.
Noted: 8:46:20
